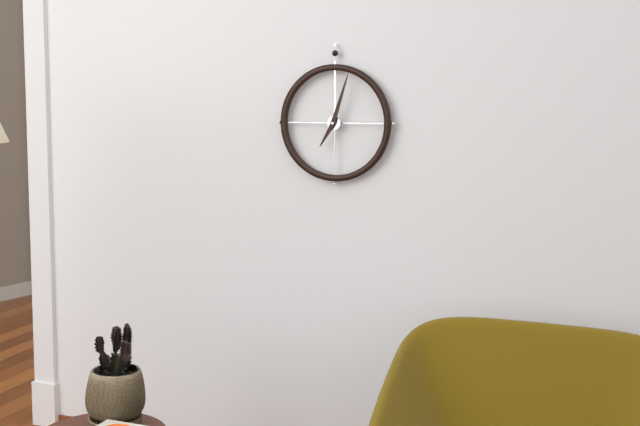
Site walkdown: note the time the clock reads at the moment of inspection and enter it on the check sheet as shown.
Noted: 7:03
